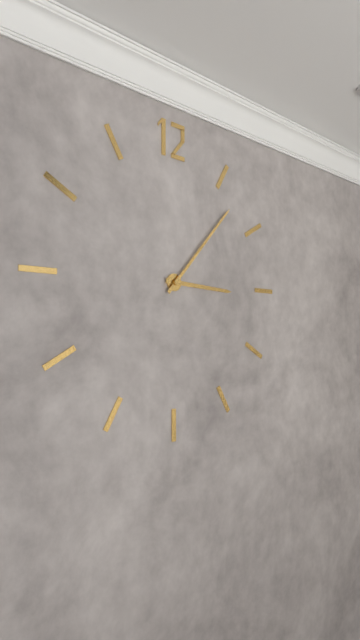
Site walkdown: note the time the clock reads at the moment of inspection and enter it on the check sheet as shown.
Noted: 3:07
